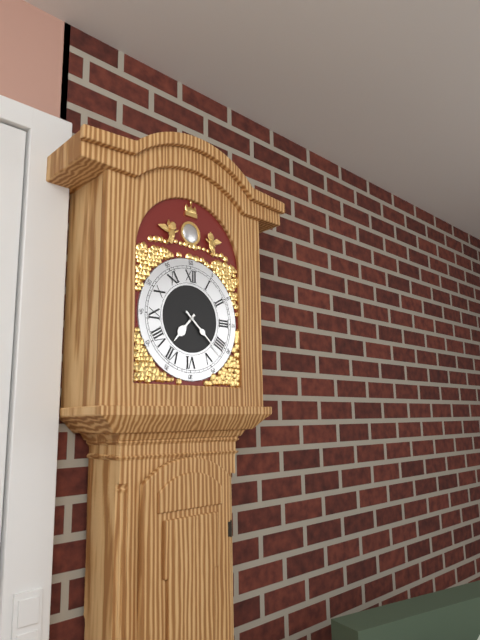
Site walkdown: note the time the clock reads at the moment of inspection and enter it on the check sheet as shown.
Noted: 7:22
